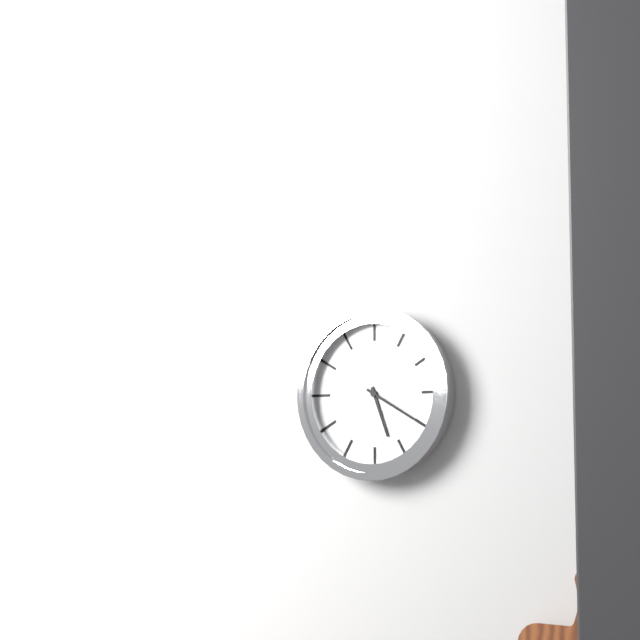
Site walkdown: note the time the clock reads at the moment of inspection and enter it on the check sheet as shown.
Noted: 5:20
